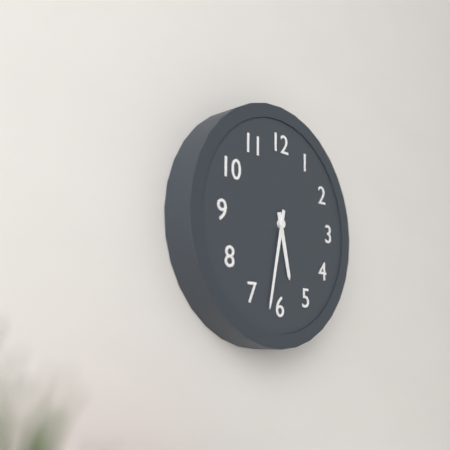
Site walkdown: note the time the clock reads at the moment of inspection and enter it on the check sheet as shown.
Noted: 5:32
